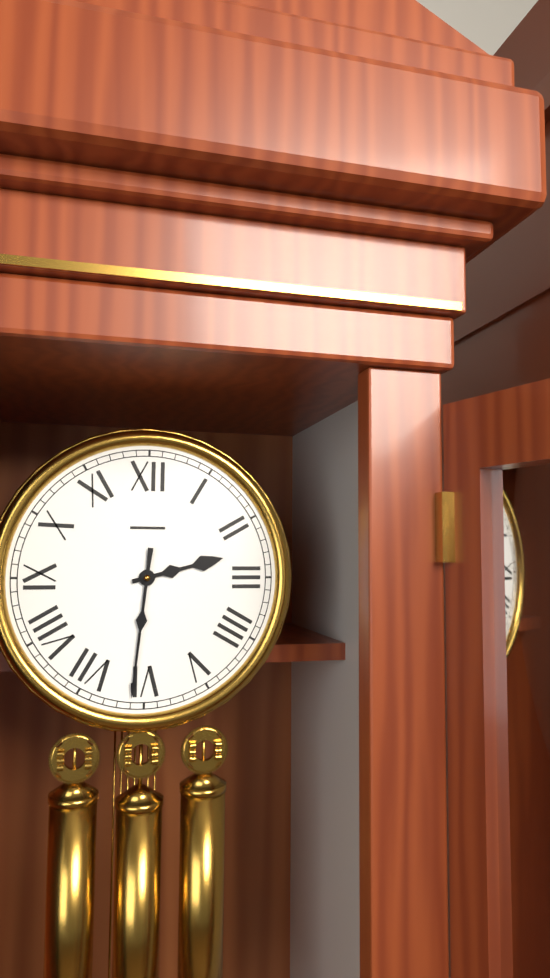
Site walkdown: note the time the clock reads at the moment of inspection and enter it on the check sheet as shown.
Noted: 2:31
